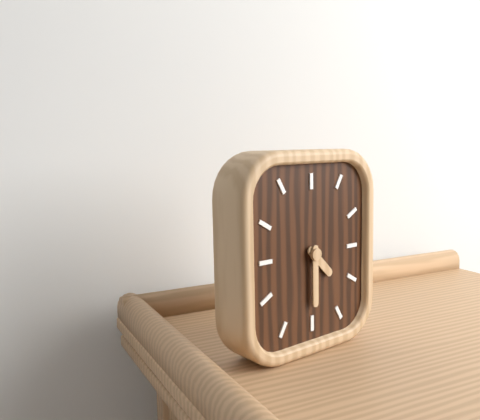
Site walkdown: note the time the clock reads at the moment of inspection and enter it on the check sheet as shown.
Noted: 4:30
